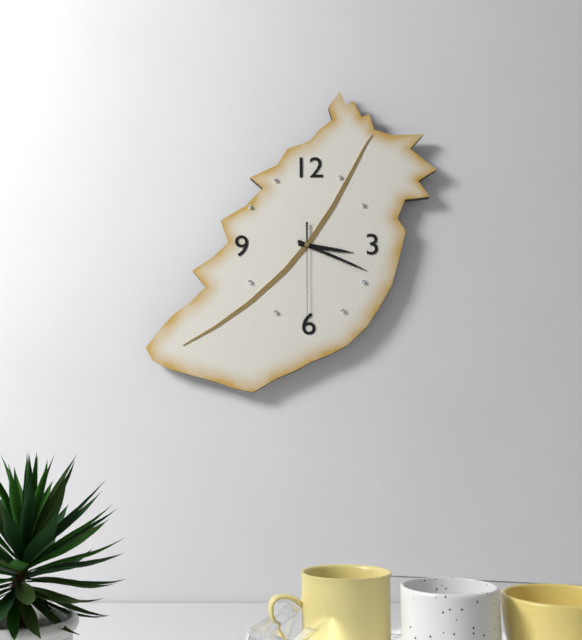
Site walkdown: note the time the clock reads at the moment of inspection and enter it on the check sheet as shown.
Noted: 3:19:30
